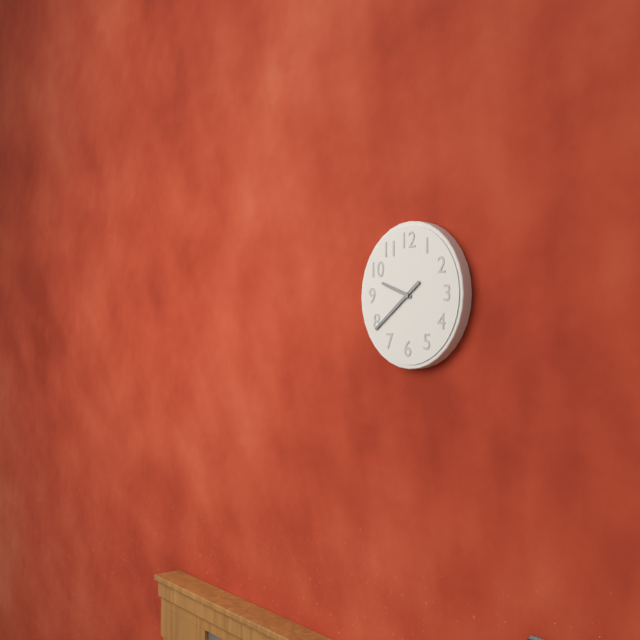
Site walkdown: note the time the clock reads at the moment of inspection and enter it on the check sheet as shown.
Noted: 9:39
